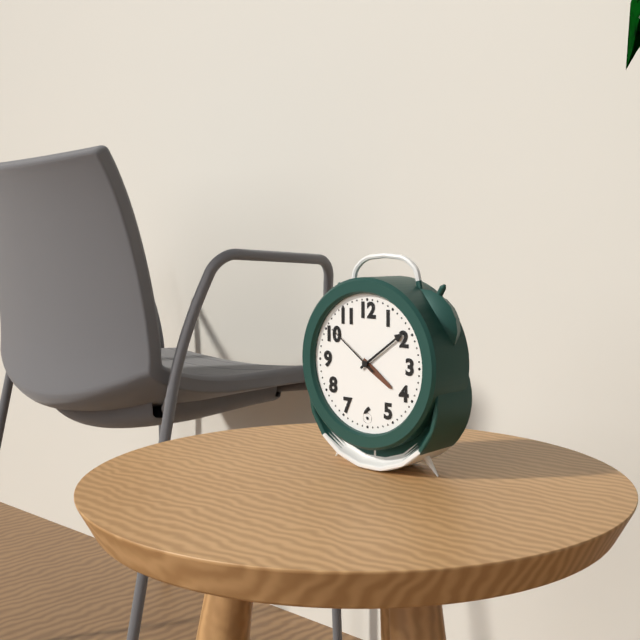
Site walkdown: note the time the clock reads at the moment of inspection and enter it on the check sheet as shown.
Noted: 4:09:51
